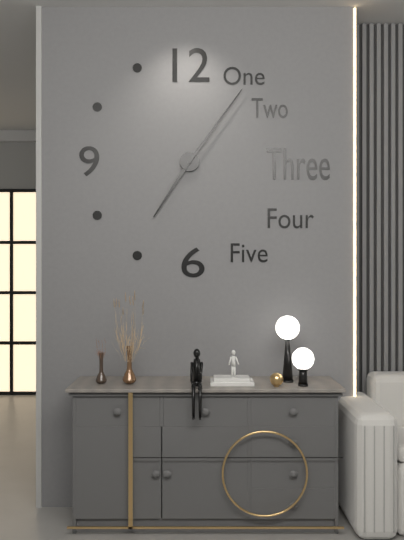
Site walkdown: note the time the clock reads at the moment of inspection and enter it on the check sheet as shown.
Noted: 7:06
